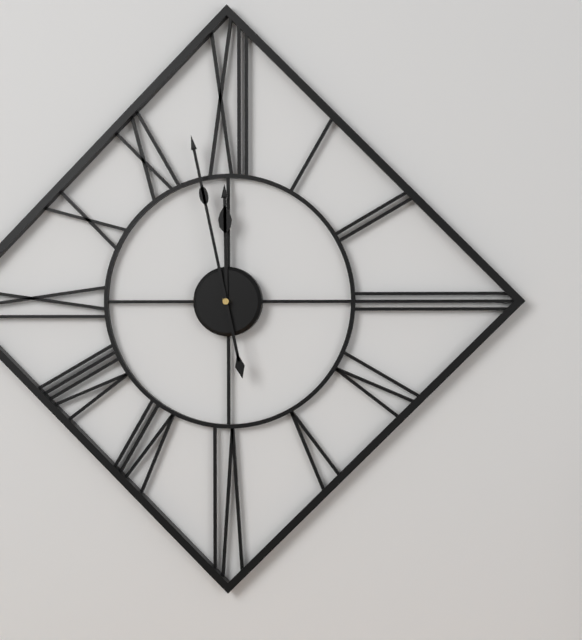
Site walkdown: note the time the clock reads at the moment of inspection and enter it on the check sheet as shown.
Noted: 11:58
